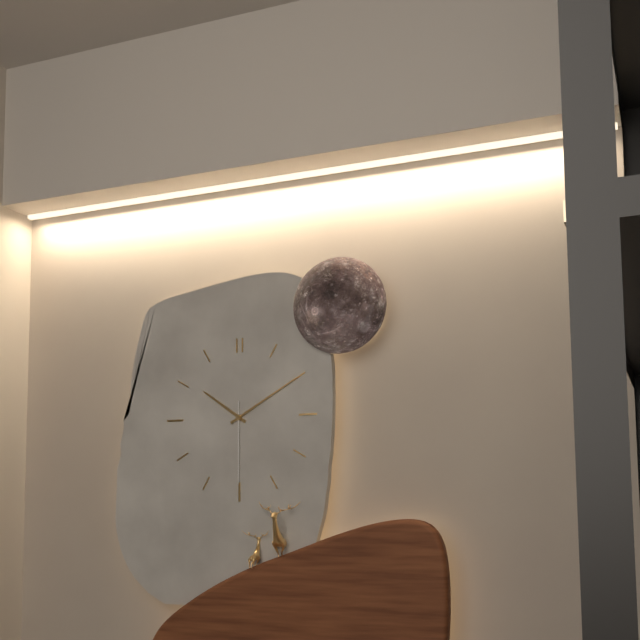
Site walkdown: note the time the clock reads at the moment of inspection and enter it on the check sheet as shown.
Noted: 10:10:30
